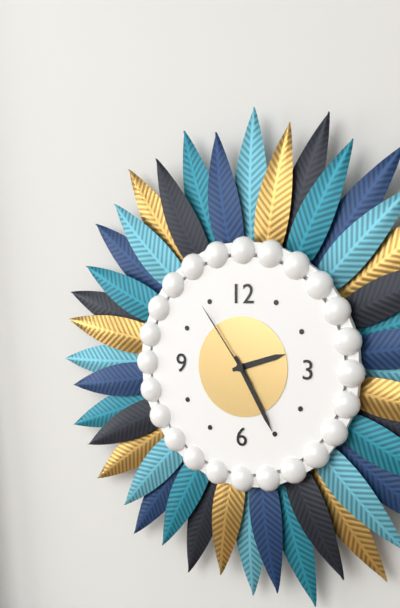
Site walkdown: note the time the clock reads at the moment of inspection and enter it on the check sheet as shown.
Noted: 2:25:54
